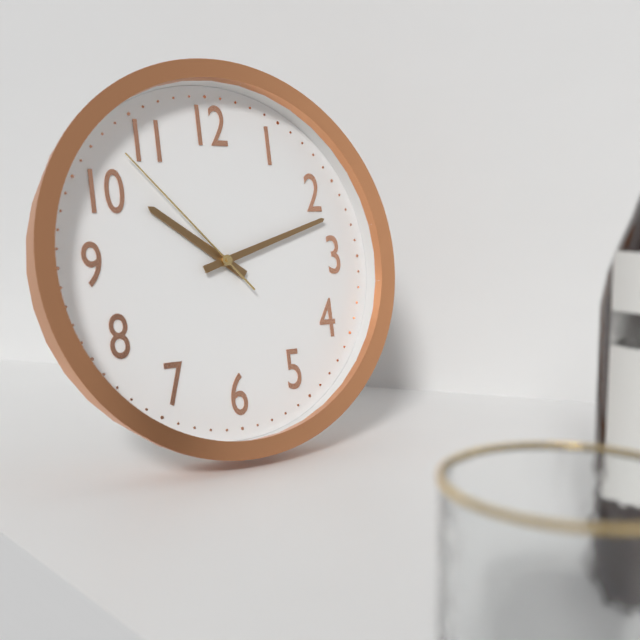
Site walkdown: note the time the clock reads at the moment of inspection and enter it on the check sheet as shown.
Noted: 10:12:53
